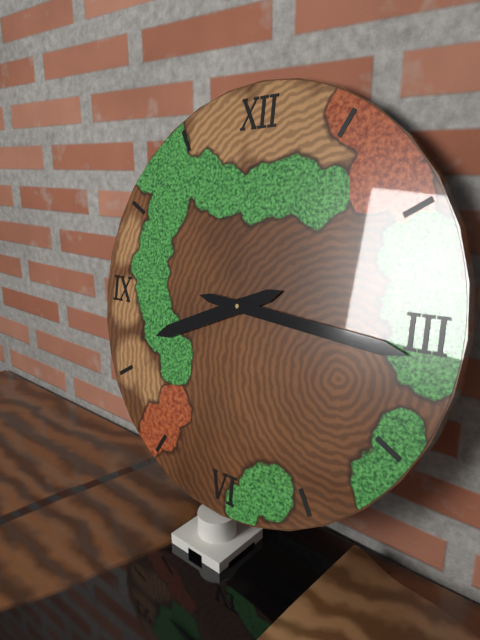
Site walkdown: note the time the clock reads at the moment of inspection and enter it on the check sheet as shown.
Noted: 8:16
